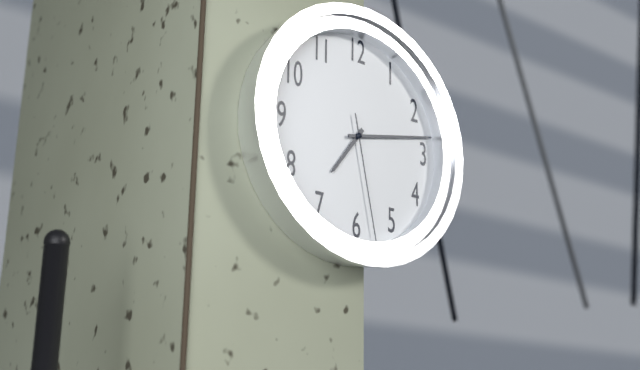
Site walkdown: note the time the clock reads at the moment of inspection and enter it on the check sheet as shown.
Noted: 7:13:28
